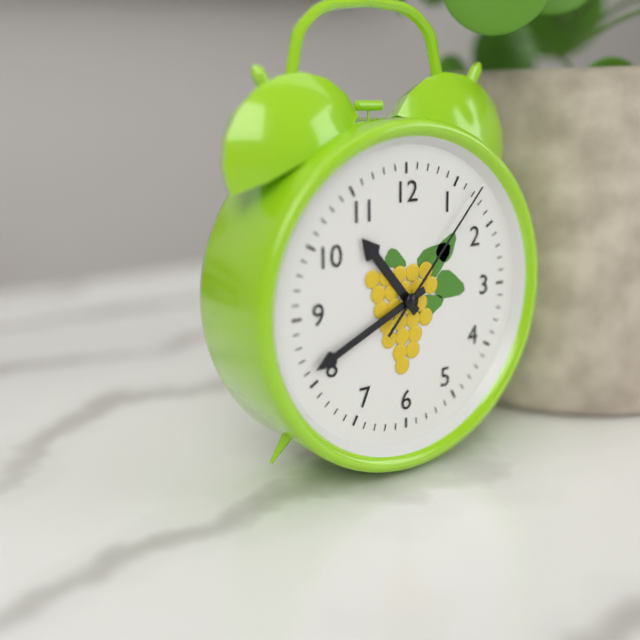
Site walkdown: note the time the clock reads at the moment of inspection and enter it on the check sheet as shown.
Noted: 10:41:07
